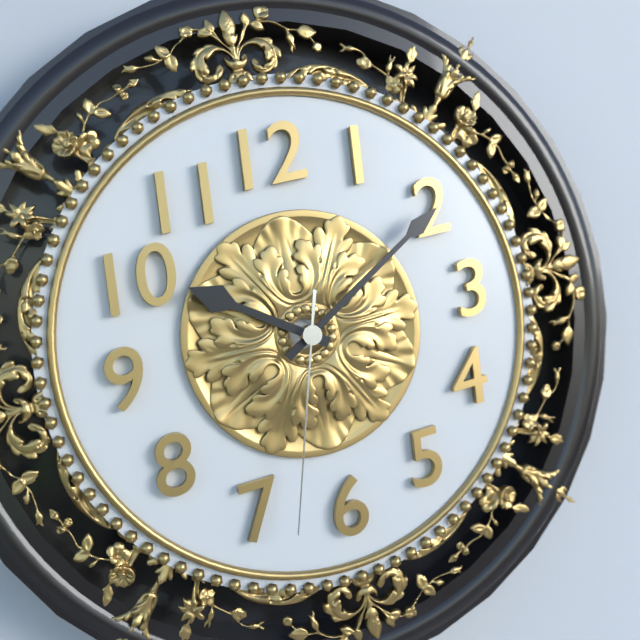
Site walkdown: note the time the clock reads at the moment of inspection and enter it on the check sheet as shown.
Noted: 10:10:33
